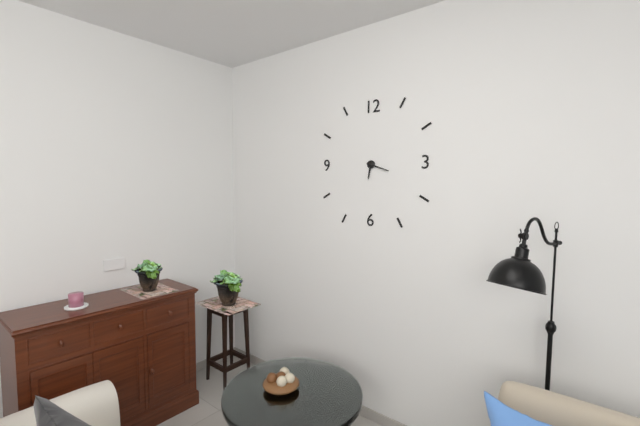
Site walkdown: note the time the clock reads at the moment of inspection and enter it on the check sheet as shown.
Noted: 6:18
